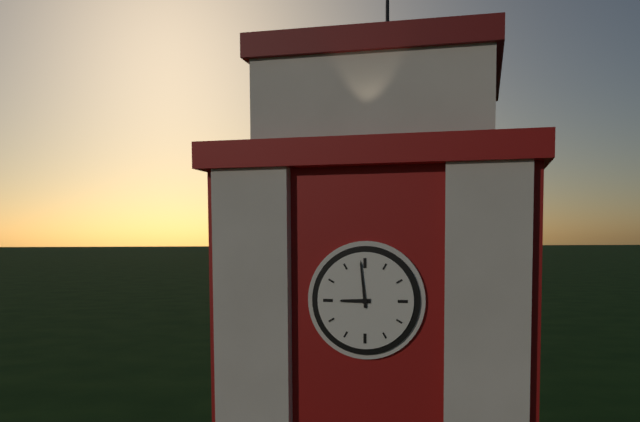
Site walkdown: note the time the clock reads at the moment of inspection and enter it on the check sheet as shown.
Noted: 8:59
